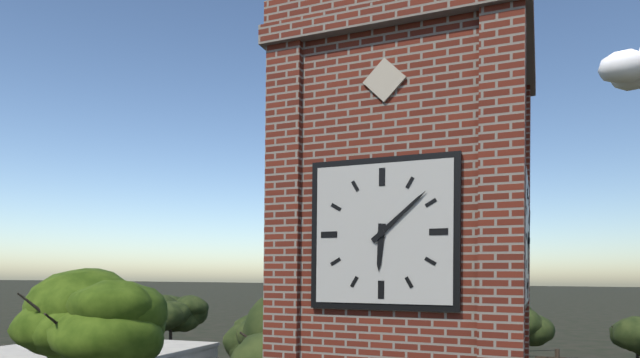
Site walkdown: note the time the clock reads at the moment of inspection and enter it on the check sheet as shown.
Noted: 6:08
